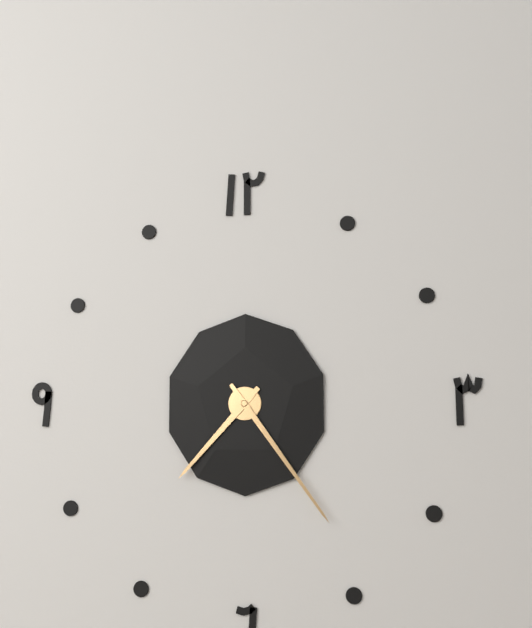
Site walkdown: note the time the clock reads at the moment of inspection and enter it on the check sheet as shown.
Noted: 7:24
